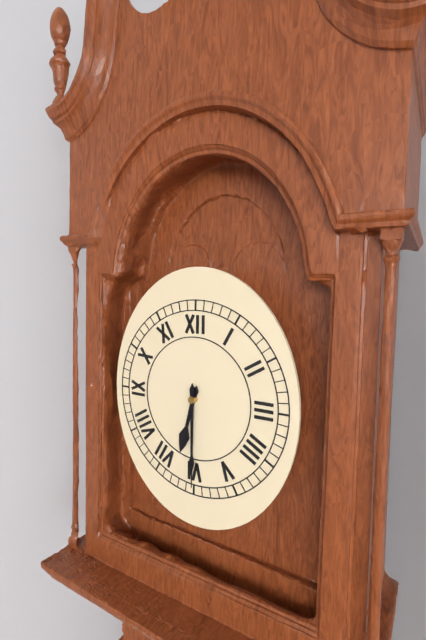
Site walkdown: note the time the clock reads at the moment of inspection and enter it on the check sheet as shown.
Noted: 6:30
